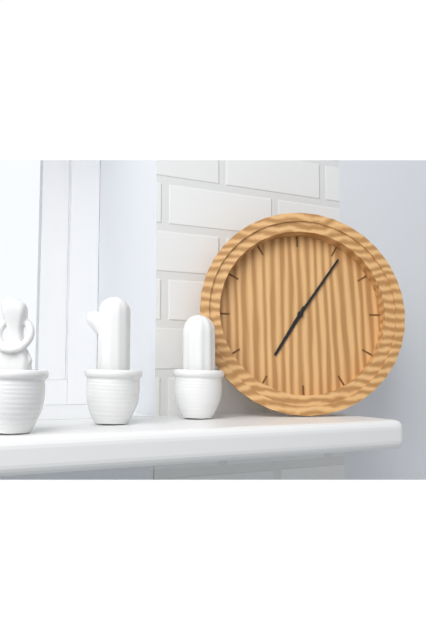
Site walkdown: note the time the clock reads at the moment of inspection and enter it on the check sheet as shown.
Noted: 7:06
